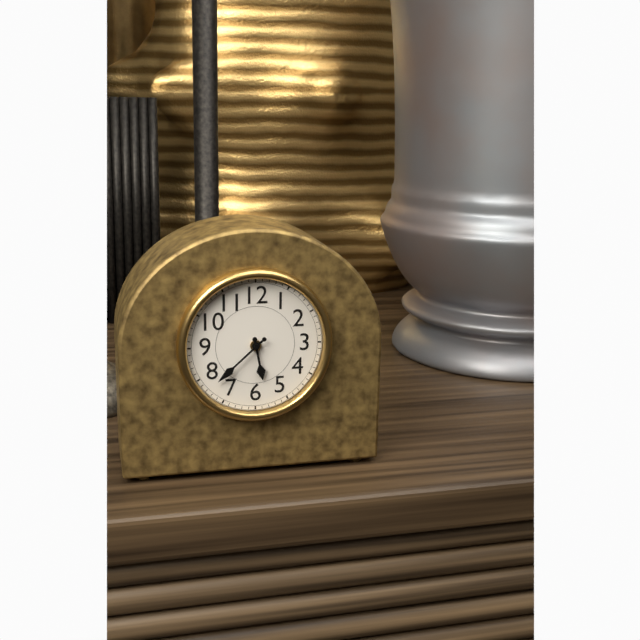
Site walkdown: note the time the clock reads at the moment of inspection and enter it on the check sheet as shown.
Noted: 5:38
